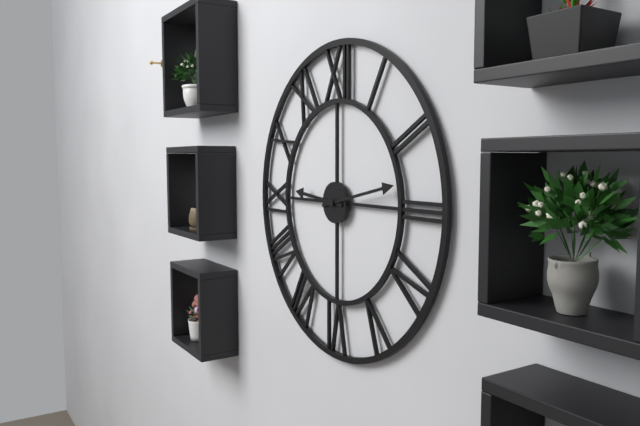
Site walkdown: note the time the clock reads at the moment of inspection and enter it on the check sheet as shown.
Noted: 9:13
